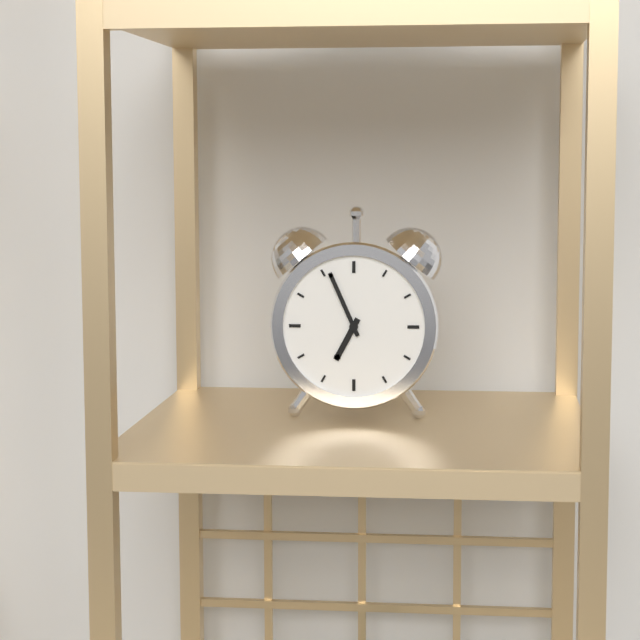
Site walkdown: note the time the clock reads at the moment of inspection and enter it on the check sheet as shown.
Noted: 6:56
